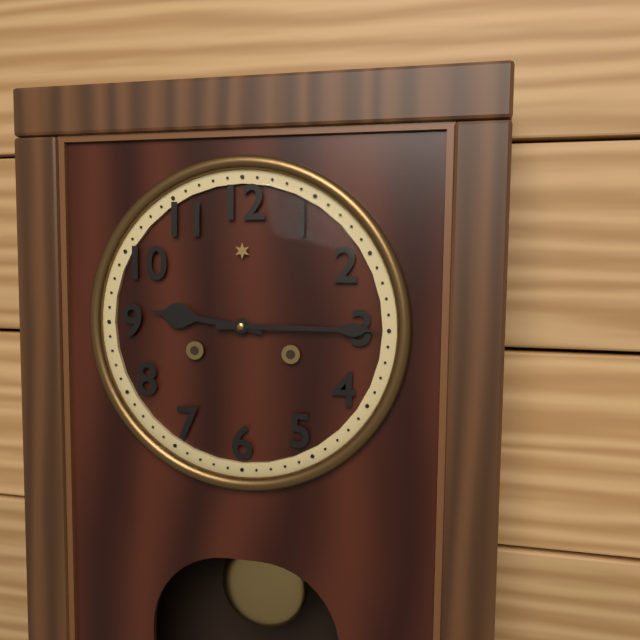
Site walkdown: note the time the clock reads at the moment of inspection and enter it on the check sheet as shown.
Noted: 9:15
